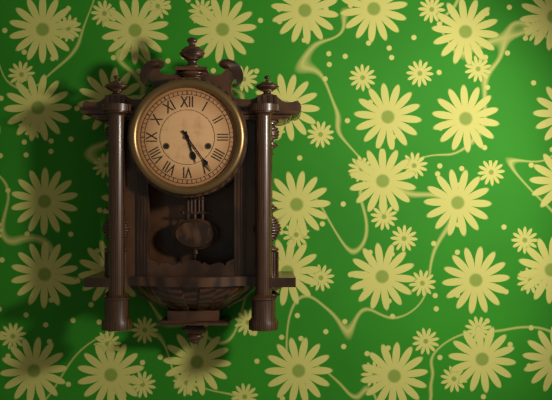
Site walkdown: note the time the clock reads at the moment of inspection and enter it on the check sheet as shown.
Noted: 5:24
